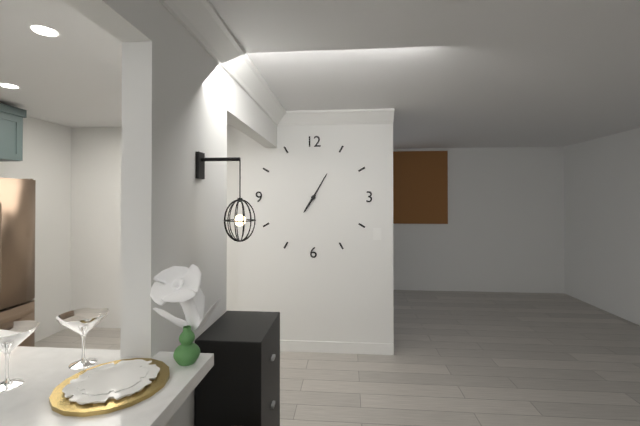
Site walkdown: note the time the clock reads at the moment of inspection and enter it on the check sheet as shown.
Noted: 7:05
